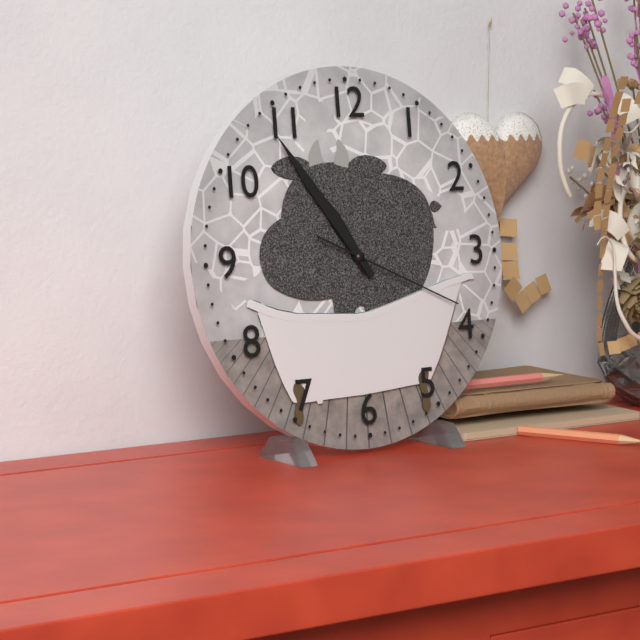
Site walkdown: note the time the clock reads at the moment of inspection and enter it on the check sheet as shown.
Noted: 10:54:19
